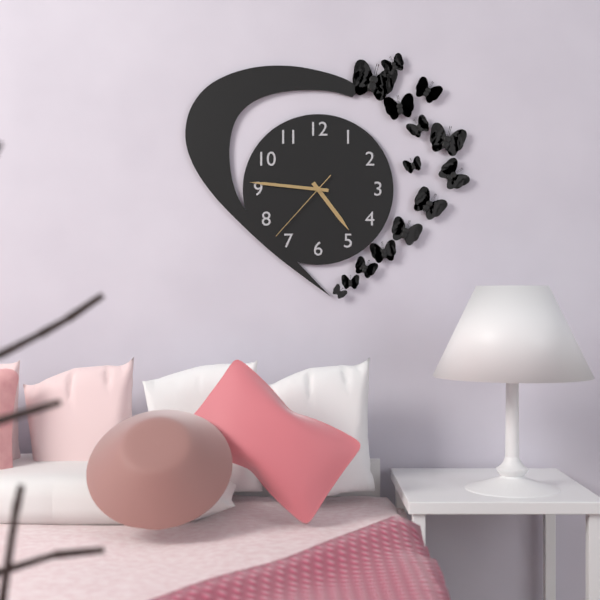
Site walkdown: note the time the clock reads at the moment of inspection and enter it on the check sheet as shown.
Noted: 4:46:37
